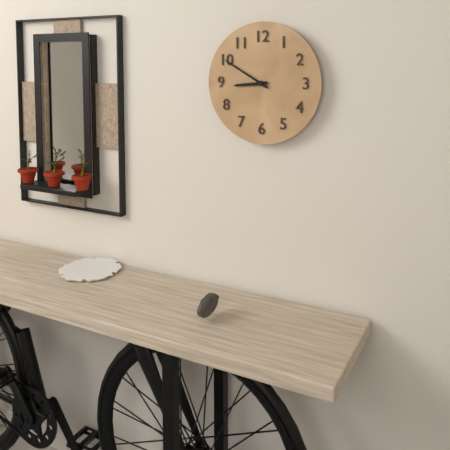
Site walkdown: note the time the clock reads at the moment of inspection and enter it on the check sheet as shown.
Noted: 8:50
